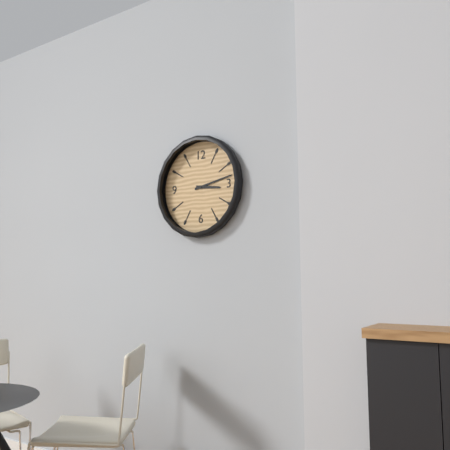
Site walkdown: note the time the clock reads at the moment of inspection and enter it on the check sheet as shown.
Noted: 3:13
